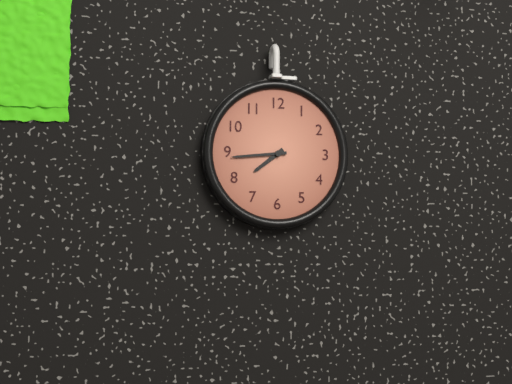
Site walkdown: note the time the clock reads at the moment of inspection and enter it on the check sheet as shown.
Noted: 7:44
